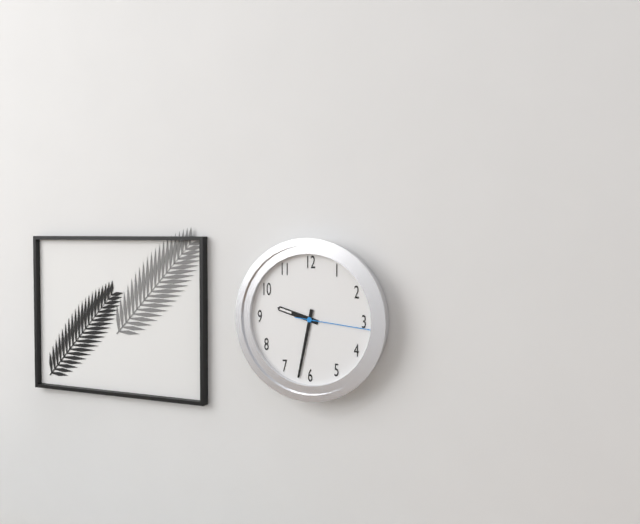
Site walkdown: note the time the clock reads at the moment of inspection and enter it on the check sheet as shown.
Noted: 9:32:16
